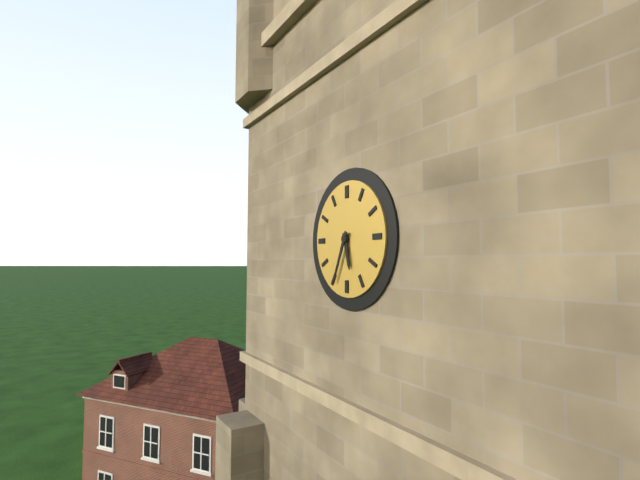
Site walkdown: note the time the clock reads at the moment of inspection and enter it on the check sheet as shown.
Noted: 5:34
